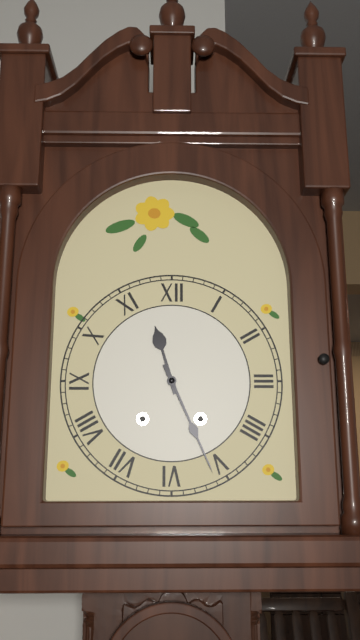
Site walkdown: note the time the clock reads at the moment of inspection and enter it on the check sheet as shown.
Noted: 11:26
